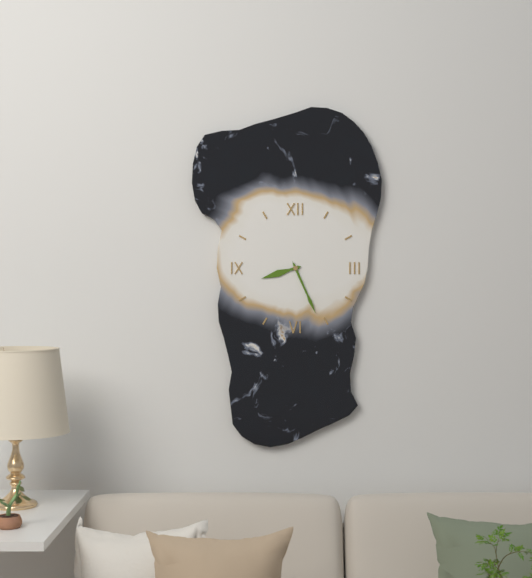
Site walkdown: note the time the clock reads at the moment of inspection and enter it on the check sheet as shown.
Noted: 8:26
